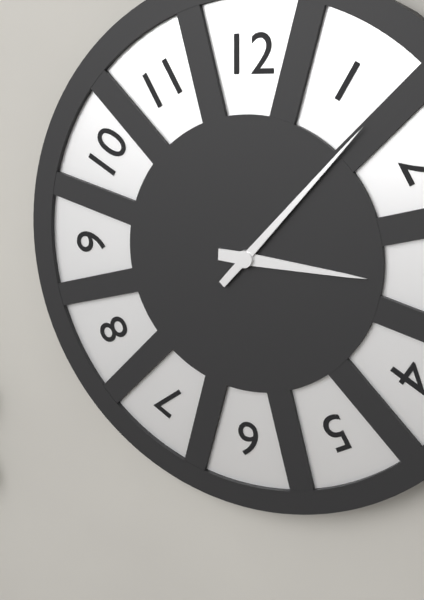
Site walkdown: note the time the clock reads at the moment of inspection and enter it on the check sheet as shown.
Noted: 3:07
